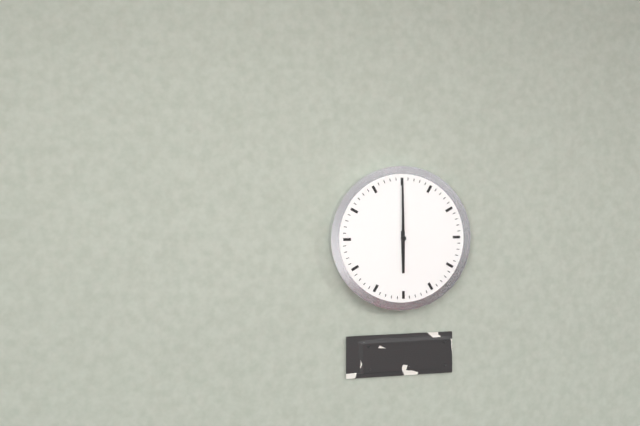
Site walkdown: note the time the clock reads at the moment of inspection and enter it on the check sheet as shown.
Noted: 6:00
